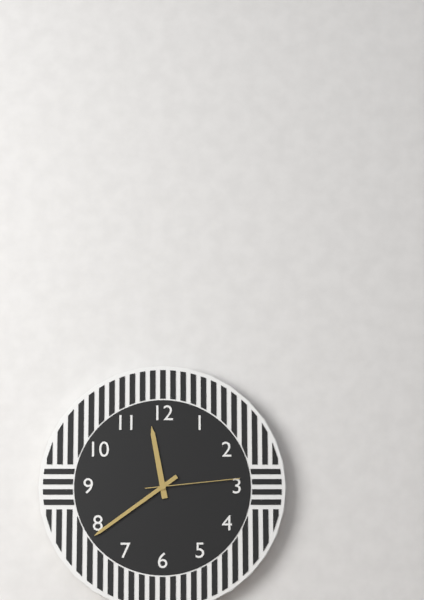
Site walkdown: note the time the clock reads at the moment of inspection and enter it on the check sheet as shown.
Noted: 11:39:14
